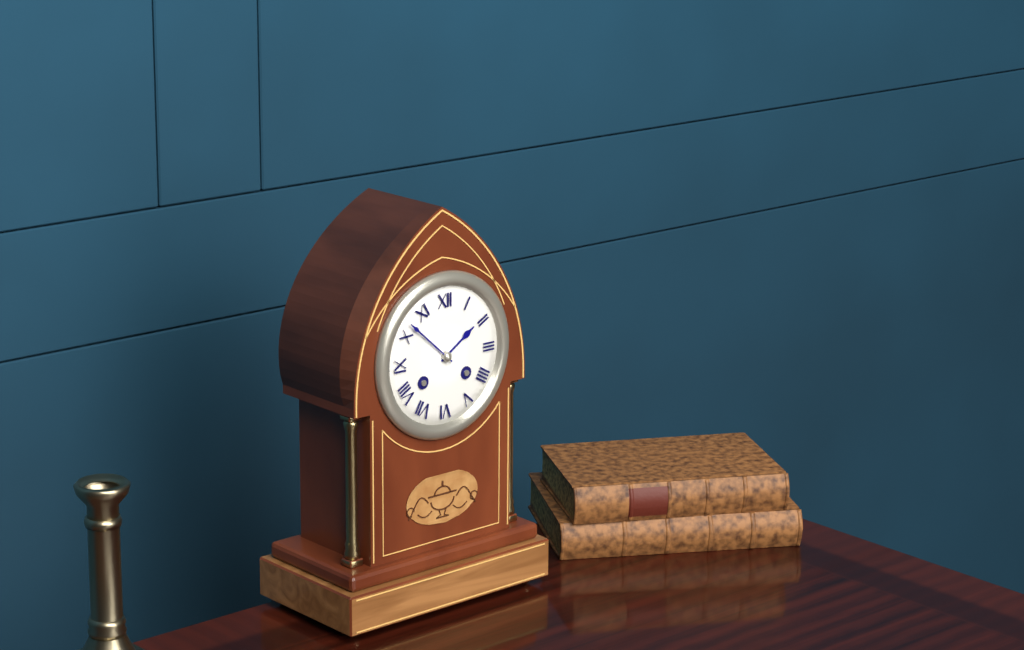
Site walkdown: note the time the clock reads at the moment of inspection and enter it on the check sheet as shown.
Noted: 1:52
